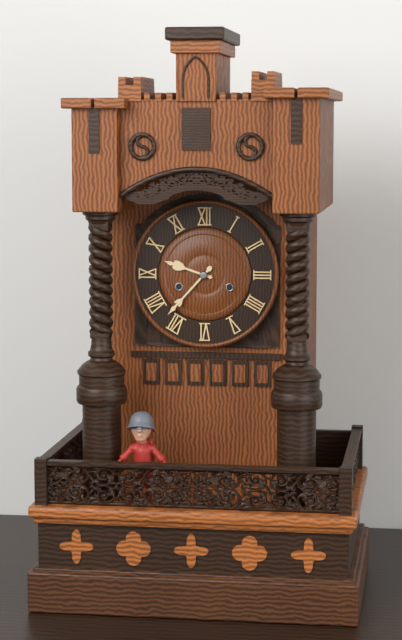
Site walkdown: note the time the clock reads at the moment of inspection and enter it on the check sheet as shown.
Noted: 9:37
